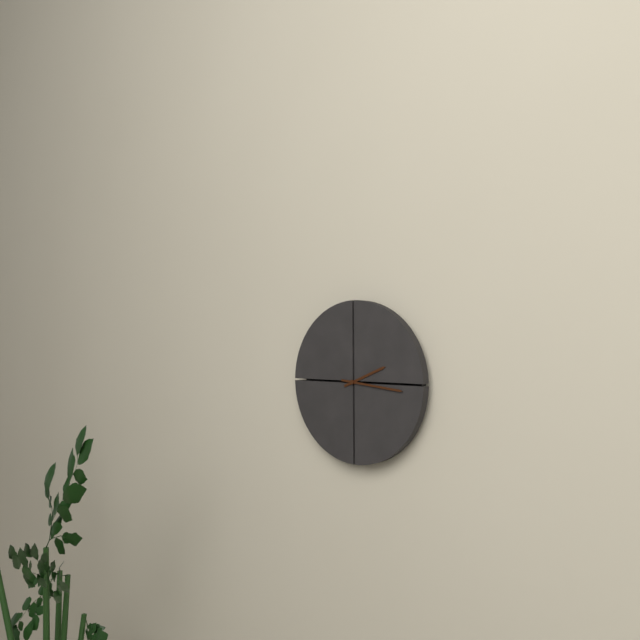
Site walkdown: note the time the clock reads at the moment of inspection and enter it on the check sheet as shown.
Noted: 2:16
